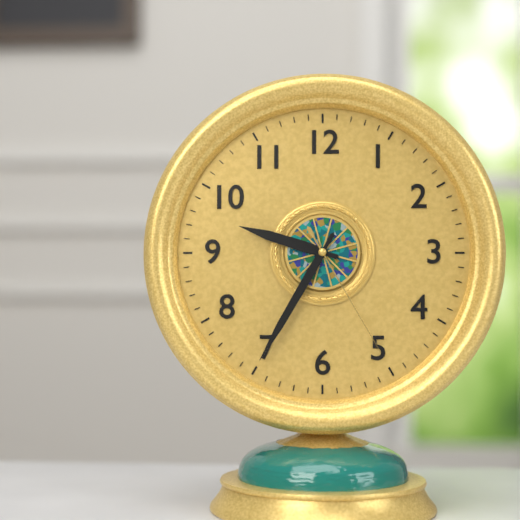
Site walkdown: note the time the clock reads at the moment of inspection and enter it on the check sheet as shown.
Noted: 9:35:25
